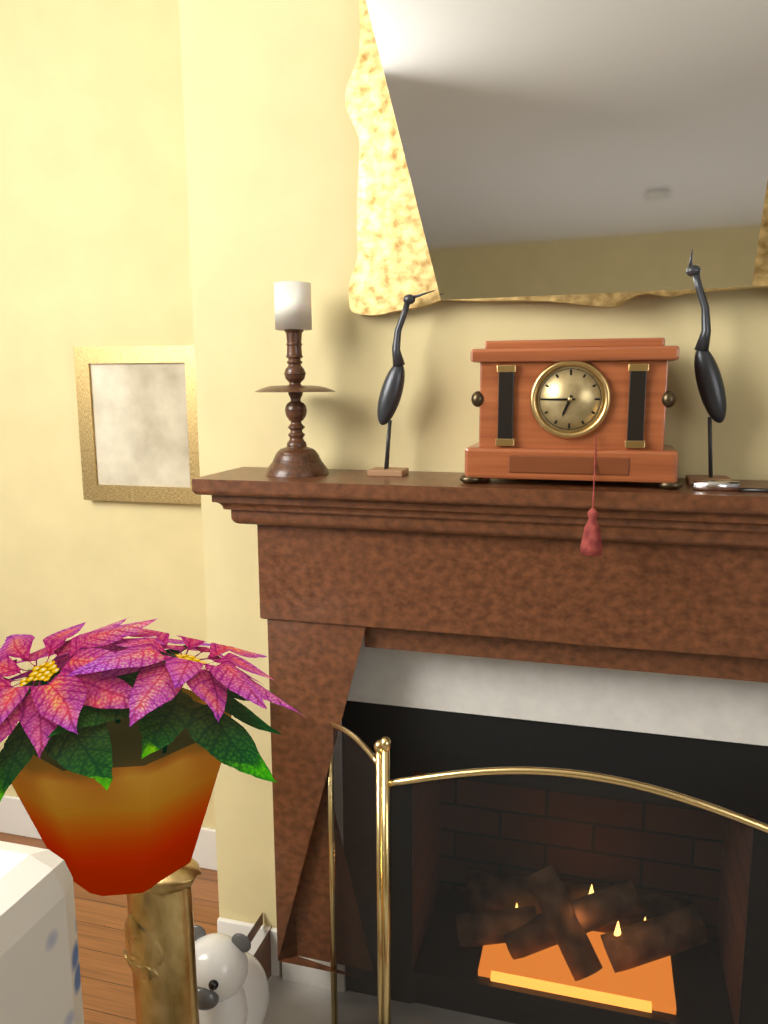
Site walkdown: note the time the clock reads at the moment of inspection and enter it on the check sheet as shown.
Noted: 6:45
